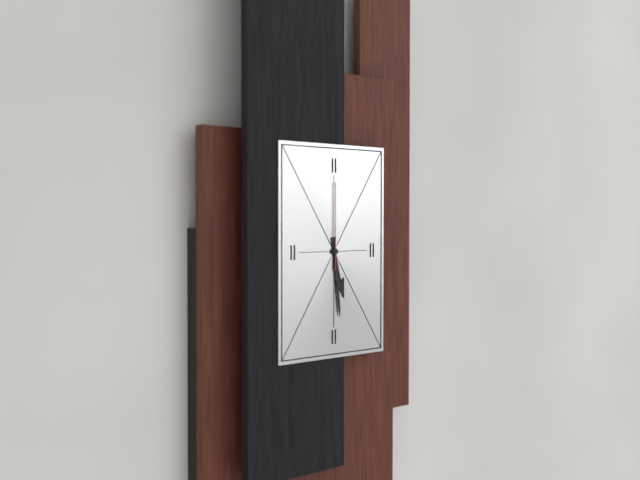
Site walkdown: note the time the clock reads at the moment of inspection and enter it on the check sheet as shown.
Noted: 5:29:00
